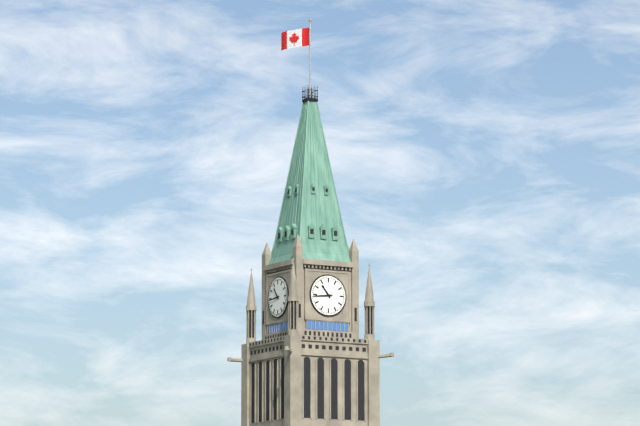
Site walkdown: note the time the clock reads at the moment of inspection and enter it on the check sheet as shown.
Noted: 10:44
